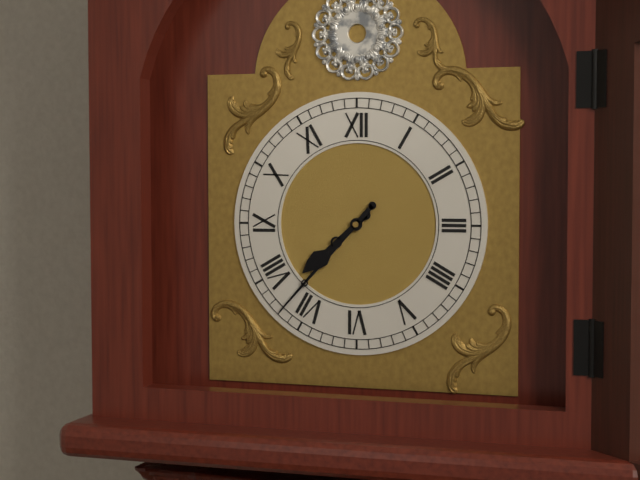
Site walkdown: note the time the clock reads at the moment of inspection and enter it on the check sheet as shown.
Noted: 7:37
